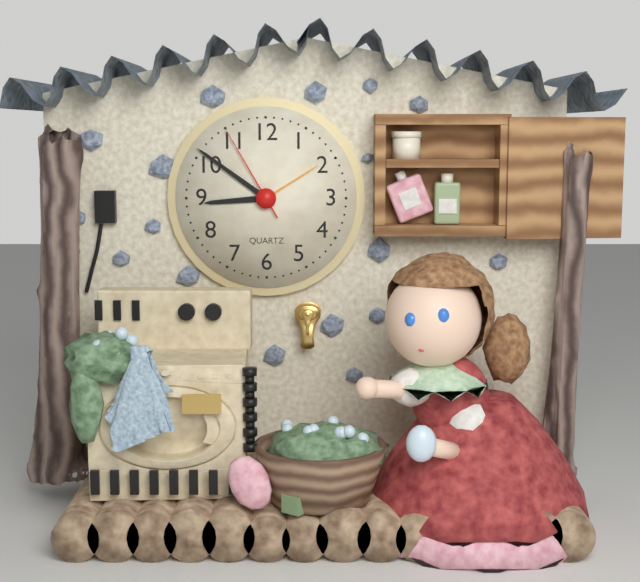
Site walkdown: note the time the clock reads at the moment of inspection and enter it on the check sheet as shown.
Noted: 8:51:55
